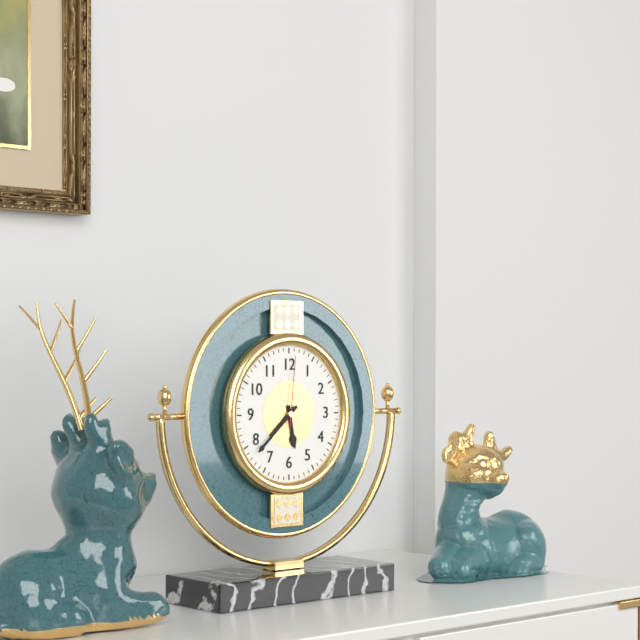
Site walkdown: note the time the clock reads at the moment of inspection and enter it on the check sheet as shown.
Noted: 5:38:01
